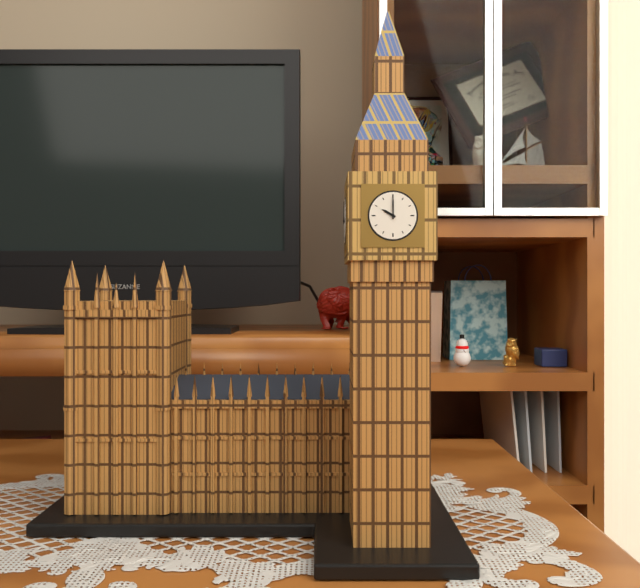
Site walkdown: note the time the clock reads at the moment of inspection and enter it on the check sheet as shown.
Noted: 10:00
